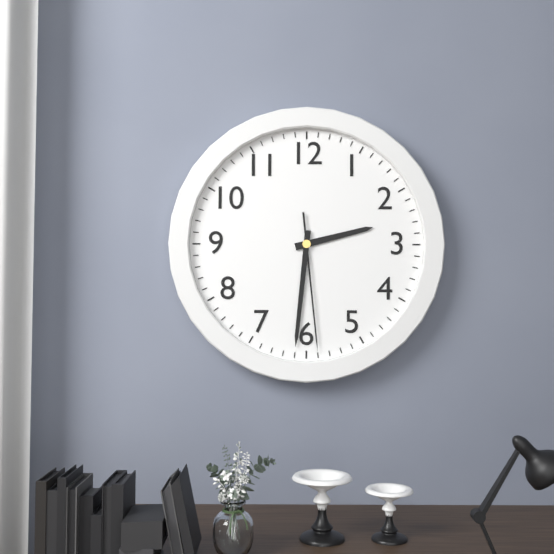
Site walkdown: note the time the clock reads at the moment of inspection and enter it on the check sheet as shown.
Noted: 2:31:29
